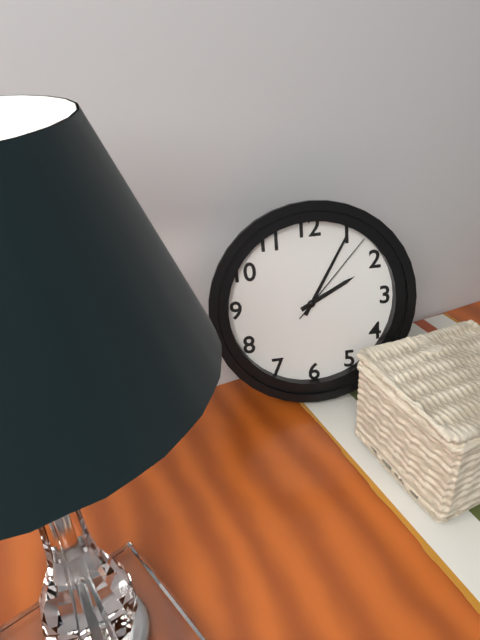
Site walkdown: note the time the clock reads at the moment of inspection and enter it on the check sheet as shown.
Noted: 2:05:07
